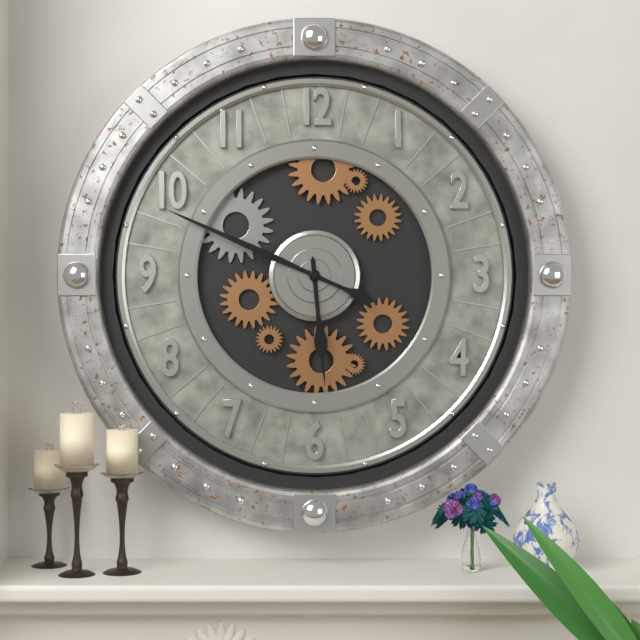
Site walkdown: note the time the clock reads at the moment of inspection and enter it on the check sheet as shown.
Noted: 5:49
